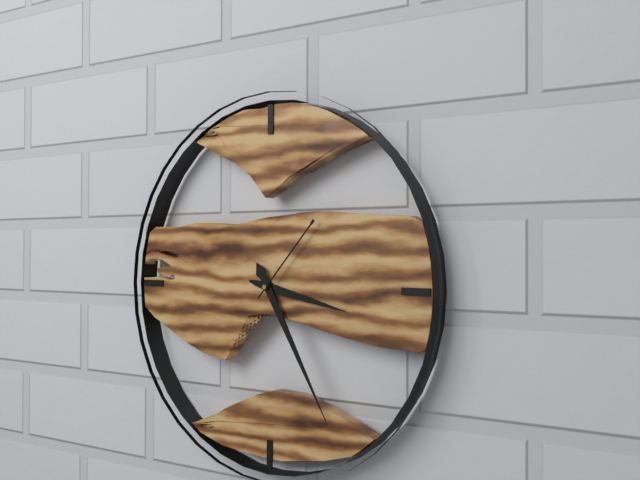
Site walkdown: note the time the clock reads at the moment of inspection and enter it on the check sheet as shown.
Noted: 3:25:07
